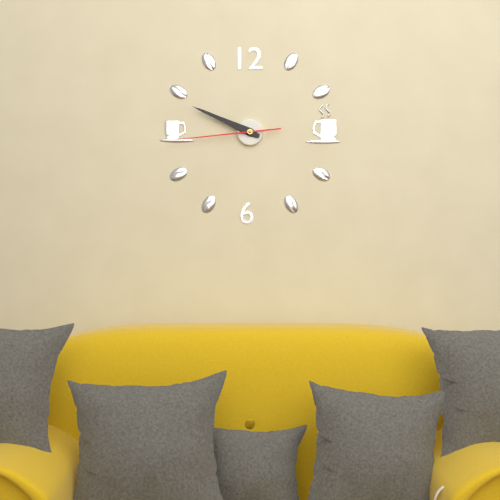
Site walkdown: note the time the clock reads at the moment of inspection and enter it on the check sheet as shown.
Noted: 9:49:44
